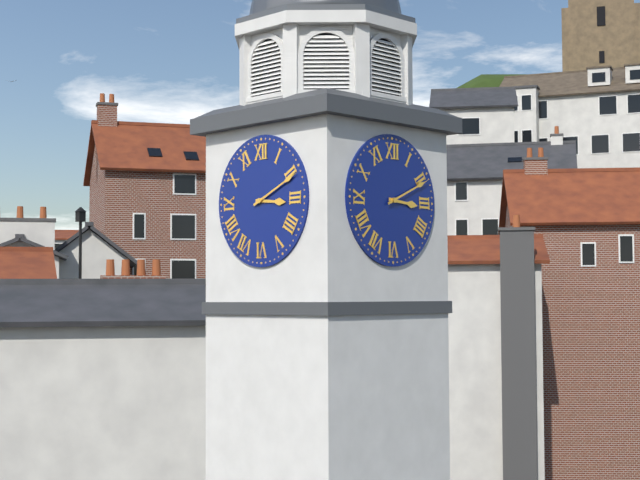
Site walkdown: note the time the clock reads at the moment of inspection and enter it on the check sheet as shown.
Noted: 3:11
